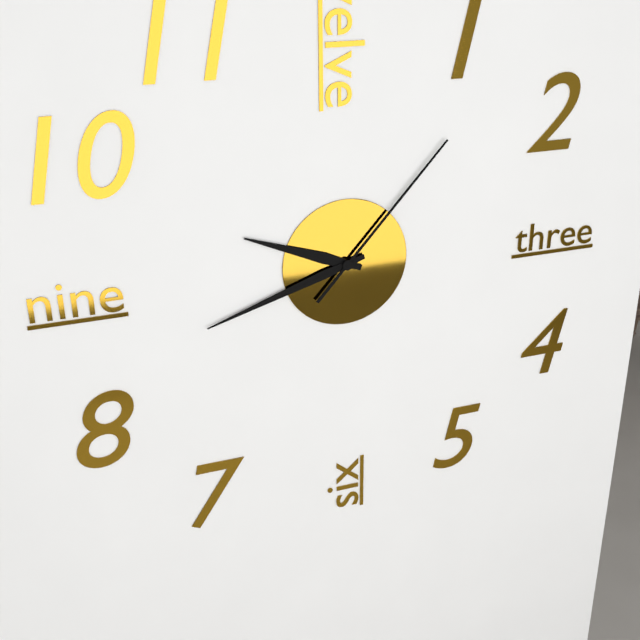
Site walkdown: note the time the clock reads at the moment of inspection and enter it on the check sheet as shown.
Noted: 9:42:07
